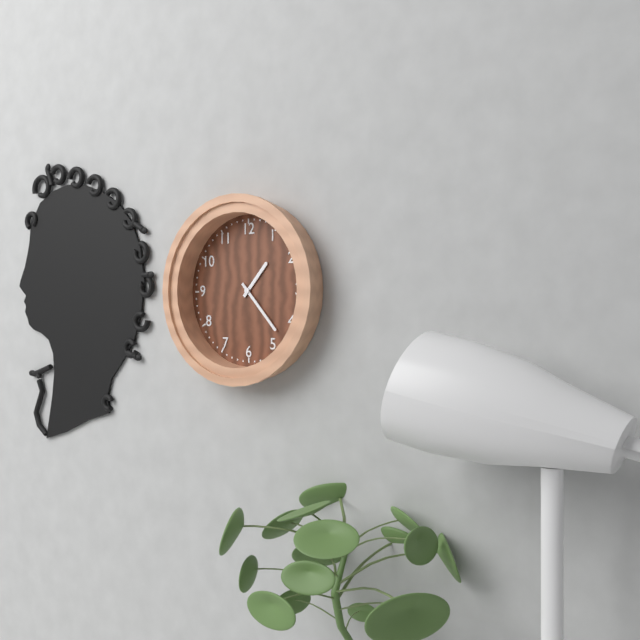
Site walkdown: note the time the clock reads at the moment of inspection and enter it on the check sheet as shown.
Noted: 1:23
